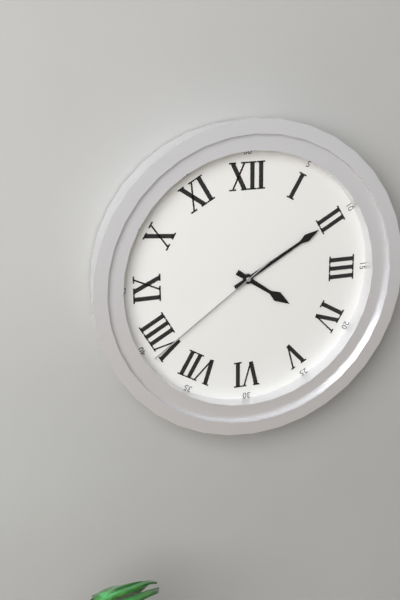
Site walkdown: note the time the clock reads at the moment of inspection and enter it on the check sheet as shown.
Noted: 4:10:39
